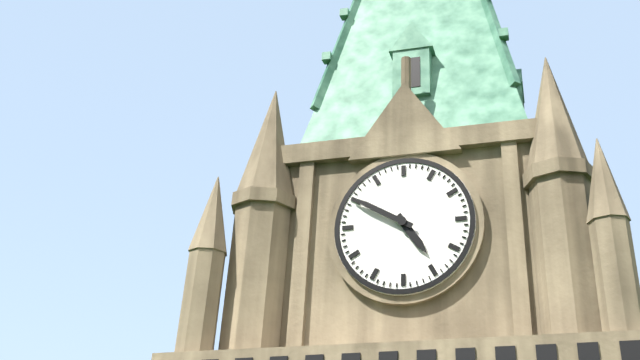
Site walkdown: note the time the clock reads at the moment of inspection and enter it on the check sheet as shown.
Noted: 4:50
